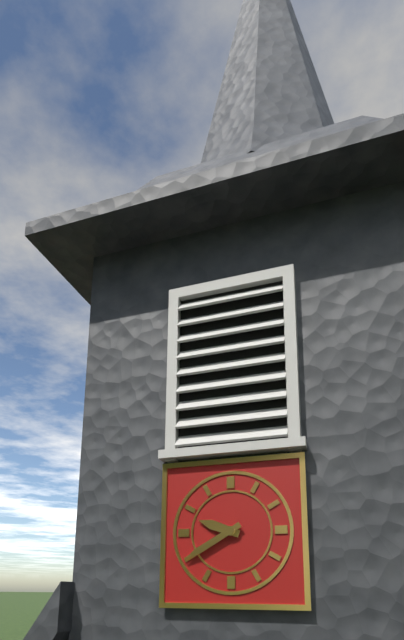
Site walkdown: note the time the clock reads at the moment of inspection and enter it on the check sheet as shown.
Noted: 9:40
